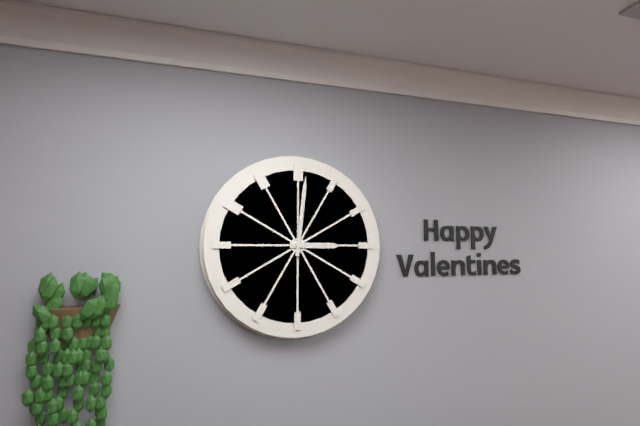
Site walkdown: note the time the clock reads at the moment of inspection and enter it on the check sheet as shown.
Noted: 3:01
